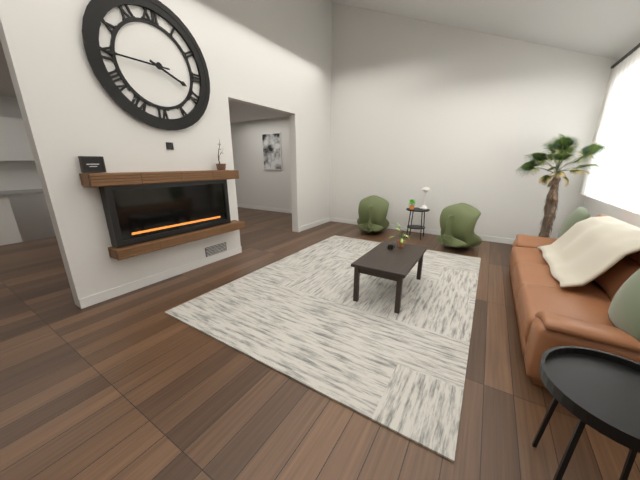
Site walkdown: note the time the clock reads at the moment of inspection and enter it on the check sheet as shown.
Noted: 3:45
